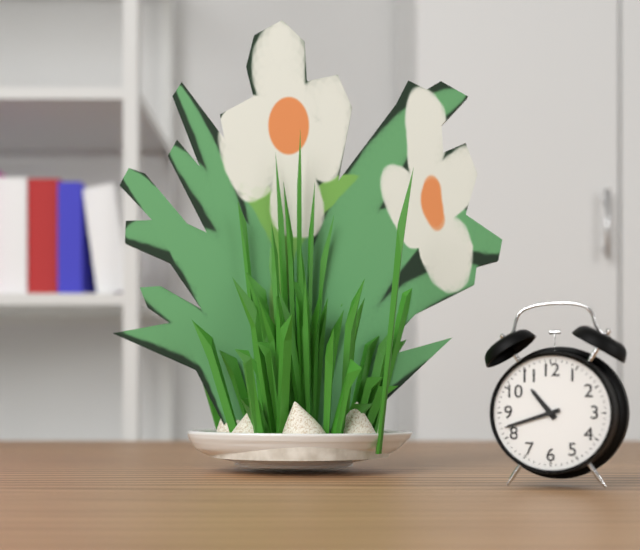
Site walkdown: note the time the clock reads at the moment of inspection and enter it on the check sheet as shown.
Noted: 10:42
